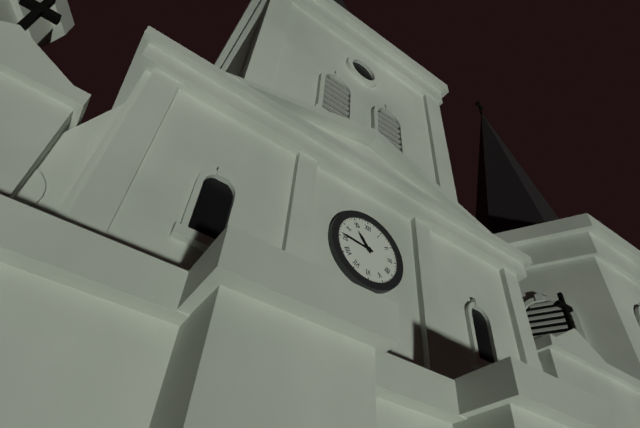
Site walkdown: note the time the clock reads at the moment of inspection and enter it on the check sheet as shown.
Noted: 10:46
